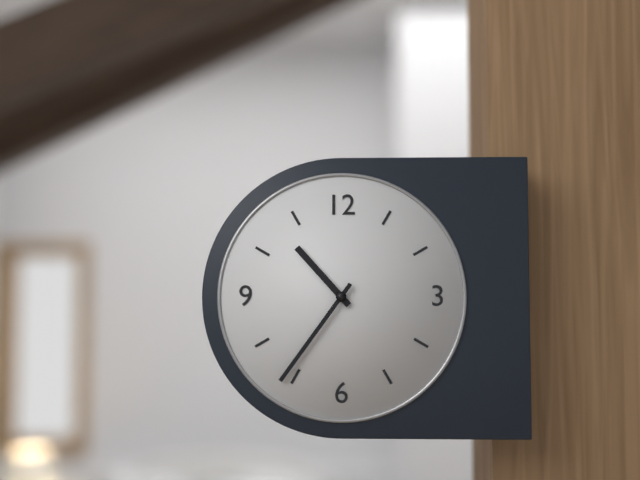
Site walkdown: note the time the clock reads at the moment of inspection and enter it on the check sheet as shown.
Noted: 10:36
